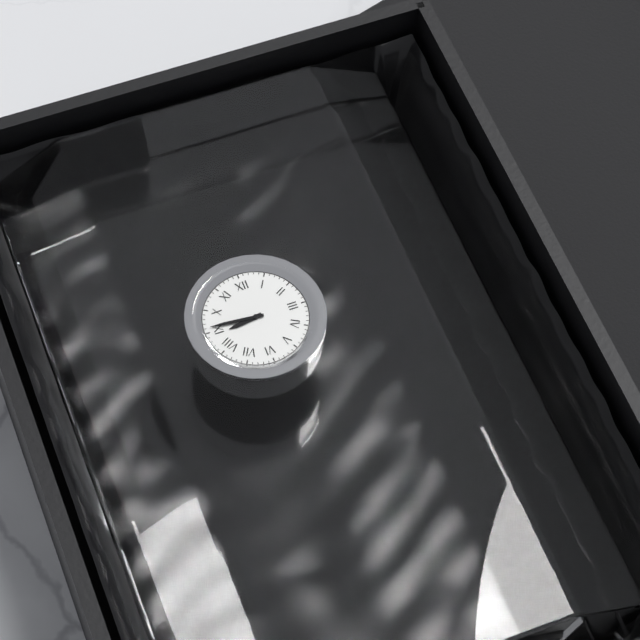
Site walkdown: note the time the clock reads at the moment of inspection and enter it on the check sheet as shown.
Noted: 8:46
